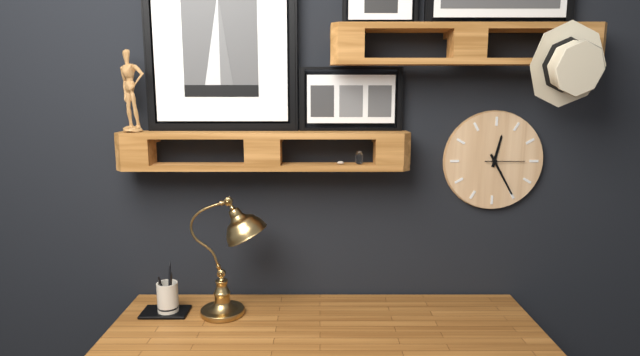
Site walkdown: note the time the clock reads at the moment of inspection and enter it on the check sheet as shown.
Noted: 12:25
